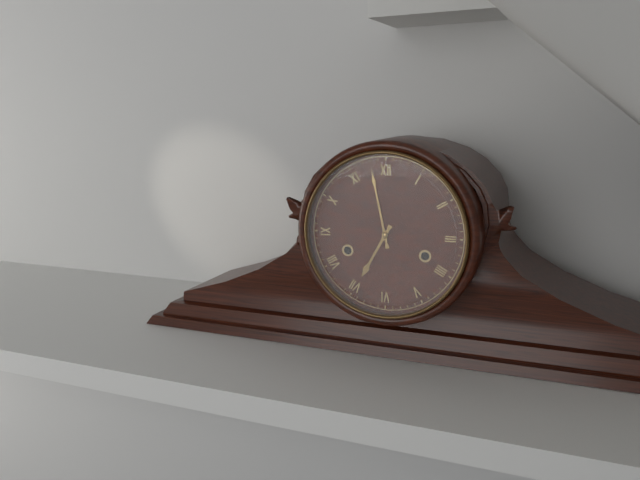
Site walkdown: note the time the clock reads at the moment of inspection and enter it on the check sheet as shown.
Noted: 6:58
